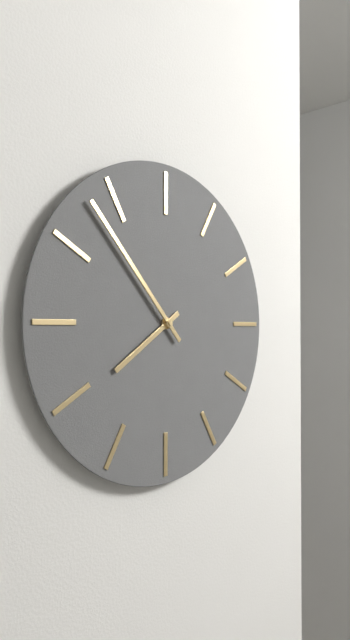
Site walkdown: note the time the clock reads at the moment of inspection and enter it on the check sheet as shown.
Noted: 7:53
